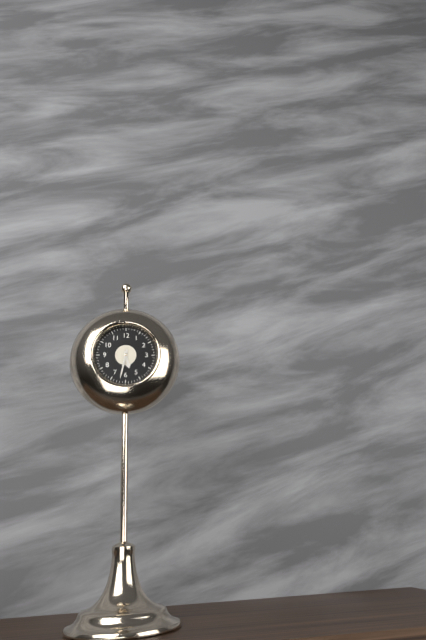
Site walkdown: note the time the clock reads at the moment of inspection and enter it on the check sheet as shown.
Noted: 5:32
